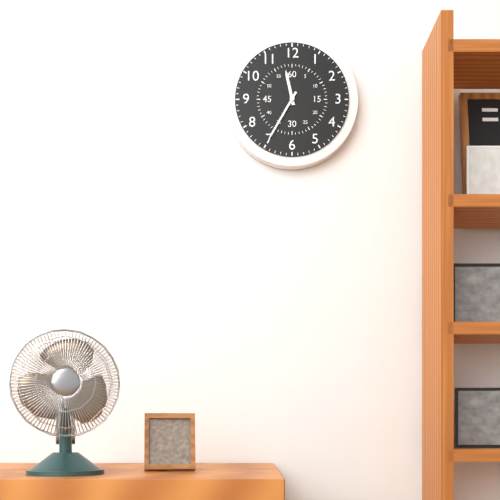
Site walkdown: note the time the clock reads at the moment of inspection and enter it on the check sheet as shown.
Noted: 11:35
